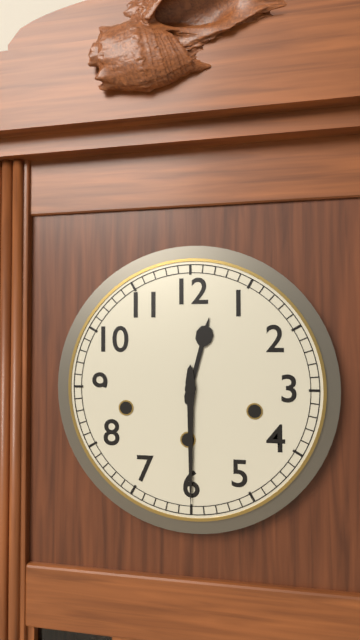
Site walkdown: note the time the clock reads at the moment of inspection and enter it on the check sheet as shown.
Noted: 12:30
